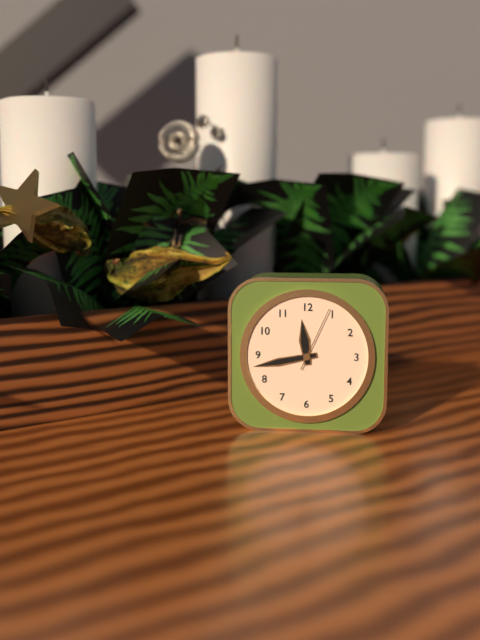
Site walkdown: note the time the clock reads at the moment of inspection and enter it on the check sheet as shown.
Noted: 11:43:04
